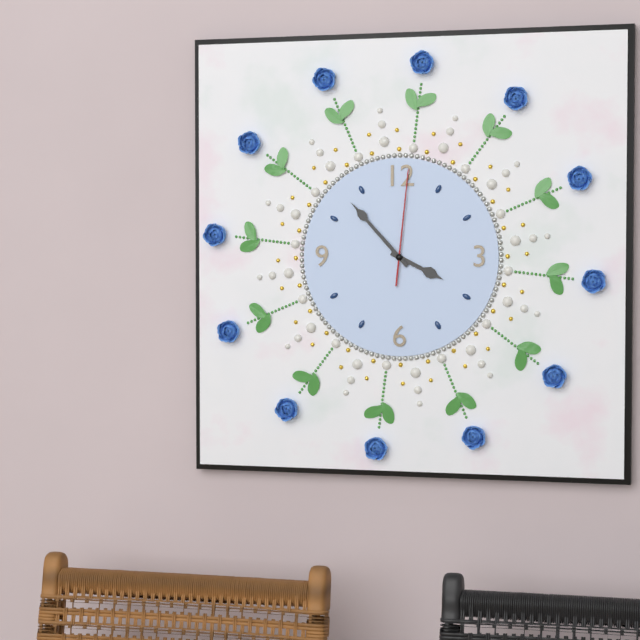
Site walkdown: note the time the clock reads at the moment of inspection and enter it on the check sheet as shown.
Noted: 3:53:01
